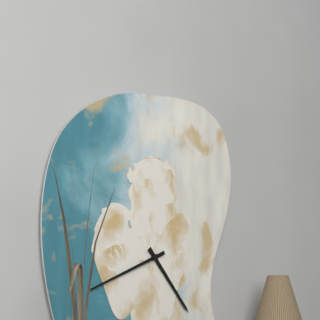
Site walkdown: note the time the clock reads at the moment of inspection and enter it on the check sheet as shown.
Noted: 4:41
